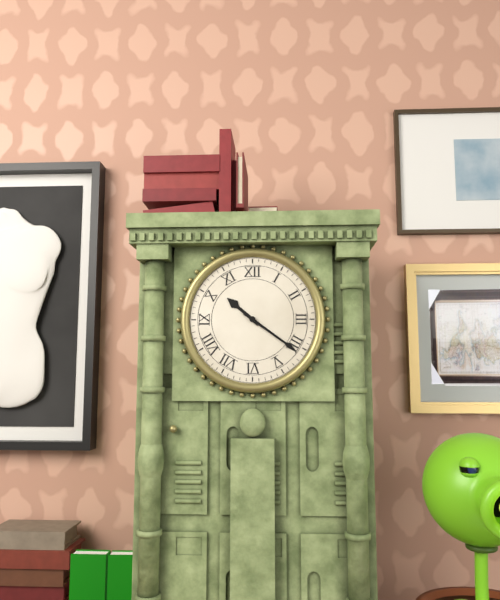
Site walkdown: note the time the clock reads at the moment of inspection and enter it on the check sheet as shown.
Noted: 10:21
